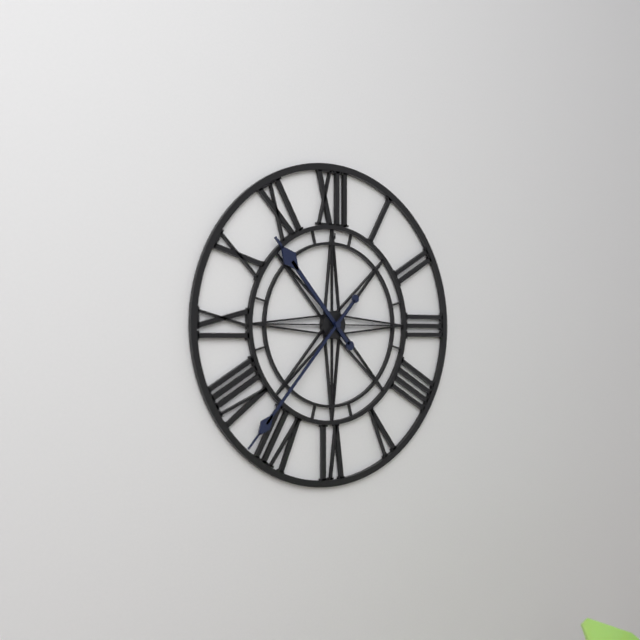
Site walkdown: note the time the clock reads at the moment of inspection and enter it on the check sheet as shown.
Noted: 10:37
